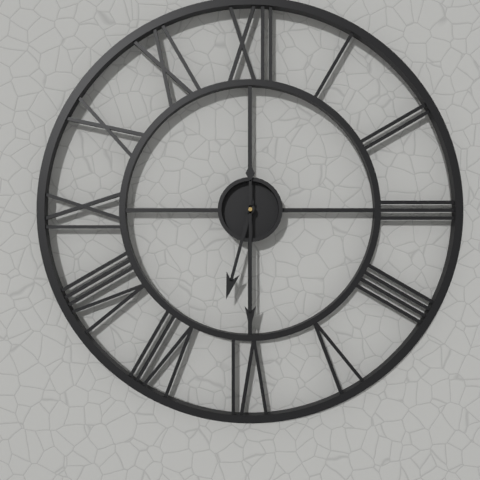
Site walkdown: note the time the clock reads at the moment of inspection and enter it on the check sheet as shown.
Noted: 6:30
